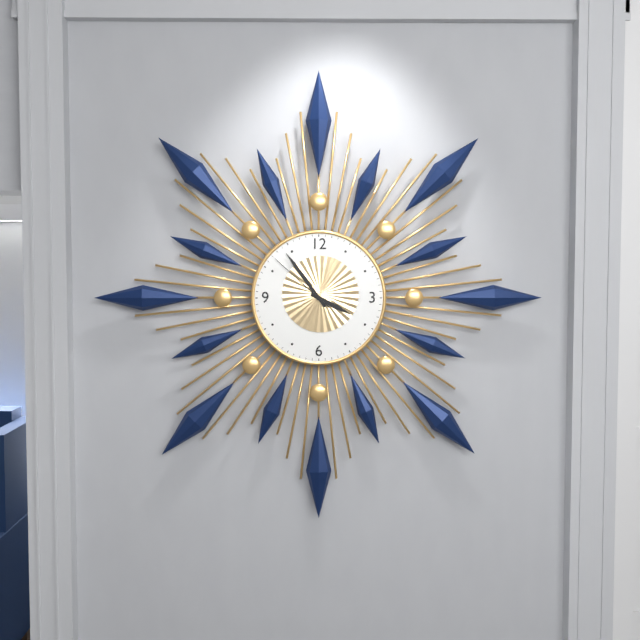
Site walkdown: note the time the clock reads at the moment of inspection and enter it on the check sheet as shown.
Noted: 3:54:52
